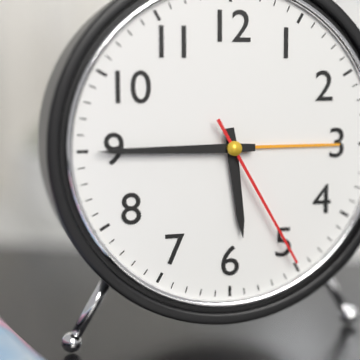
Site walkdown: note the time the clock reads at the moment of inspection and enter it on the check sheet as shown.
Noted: 5:45:25
